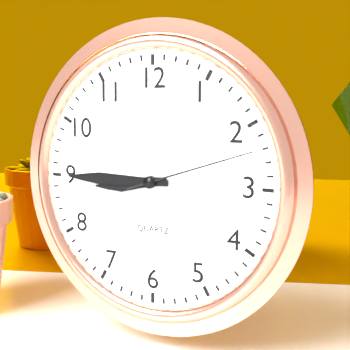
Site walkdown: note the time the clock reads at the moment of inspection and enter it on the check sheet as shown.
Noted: 8:45:12
